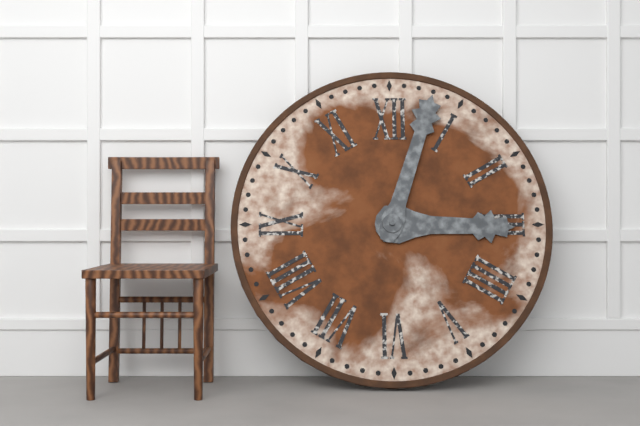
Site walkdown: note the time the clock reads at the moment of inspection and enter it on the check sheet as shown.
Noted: 3:03
